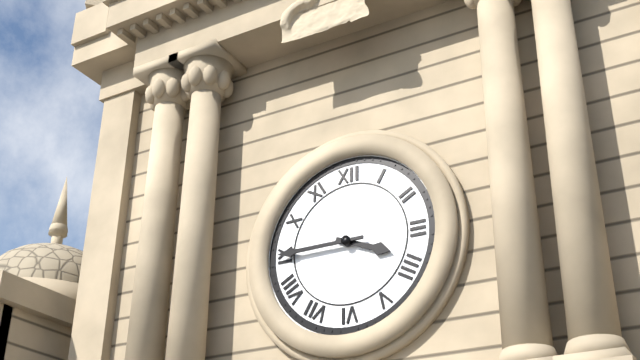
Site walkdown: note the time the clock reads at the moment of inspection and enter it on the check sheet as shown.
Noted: 3:45
